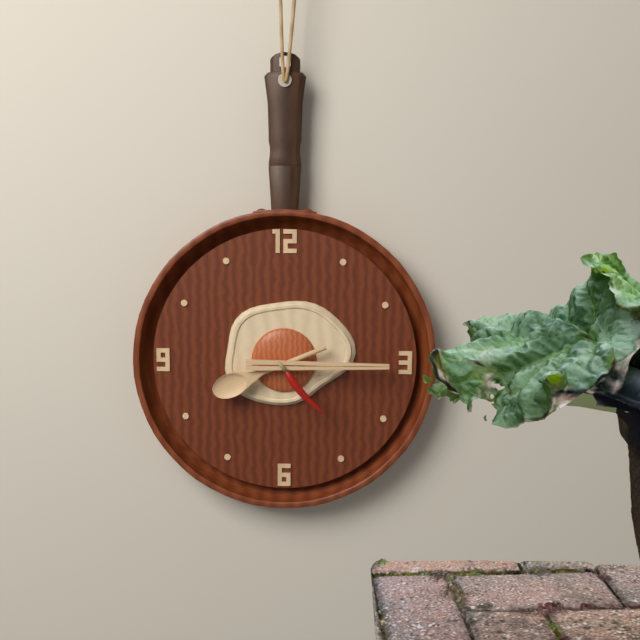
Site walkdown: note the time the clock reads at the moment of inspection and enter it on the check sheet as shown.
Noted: 8:15:23
